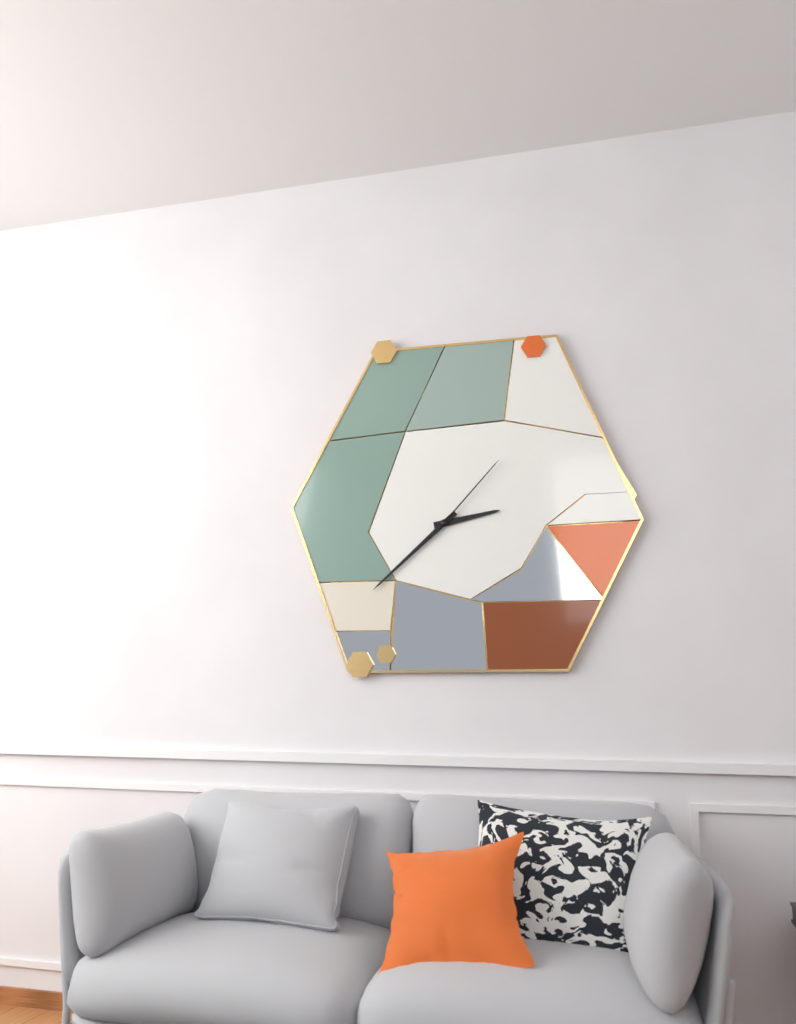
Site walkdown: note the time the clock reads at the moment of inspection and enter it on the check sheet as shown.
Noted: 2:38:07
